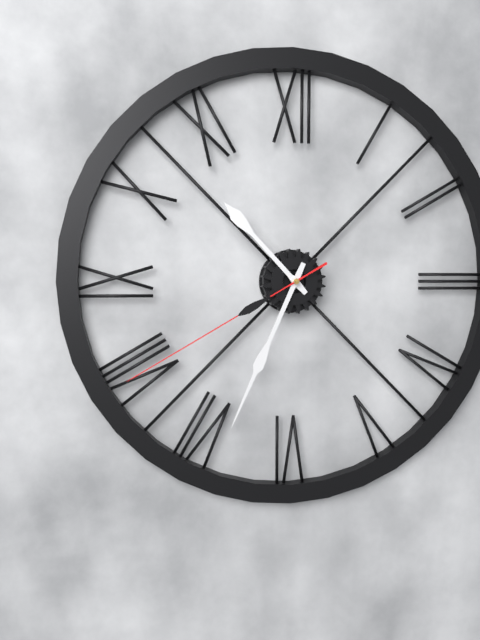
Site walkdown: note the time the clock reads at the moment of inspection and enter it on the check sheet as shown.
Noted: 10:34:40
